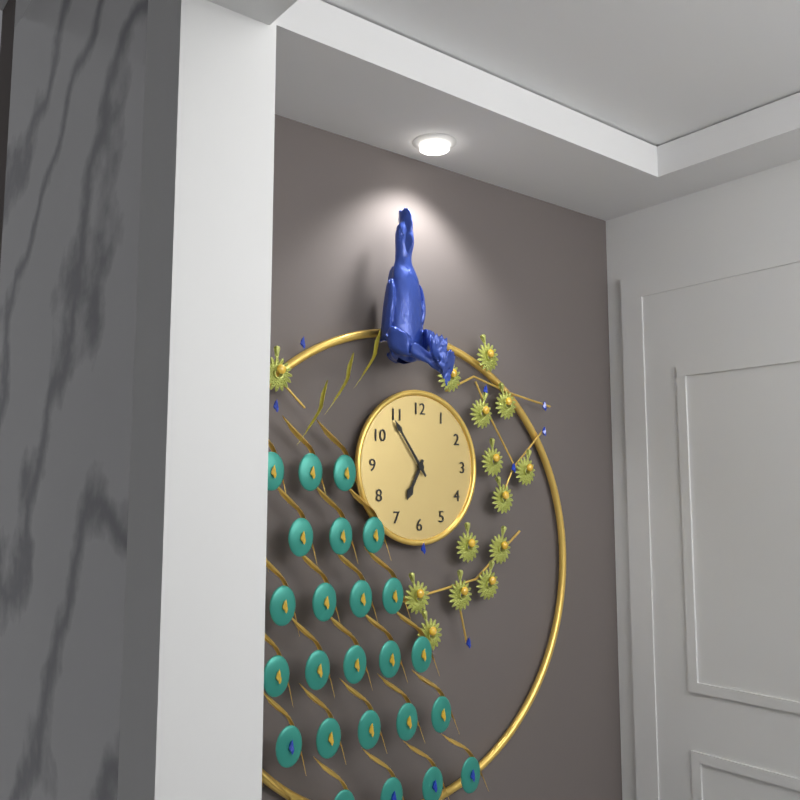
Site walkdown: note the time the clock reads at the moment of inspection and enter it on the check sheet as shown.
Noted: 6:54
